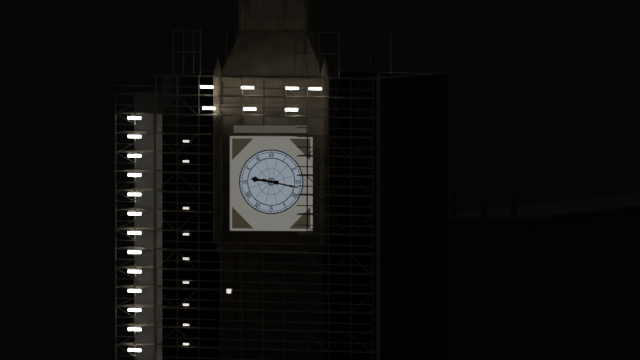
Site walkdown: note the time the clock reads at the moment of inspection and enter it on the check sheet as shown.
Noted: 9:17
